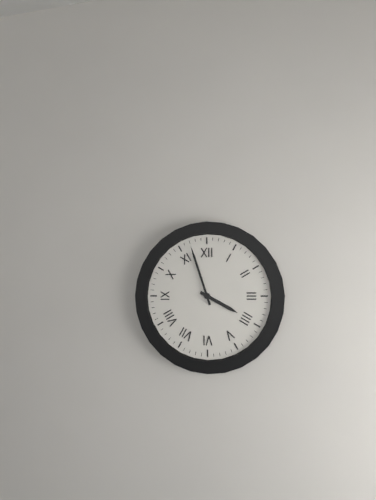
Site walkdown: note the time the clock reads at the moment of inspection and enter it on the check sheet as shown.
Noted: 3:57
